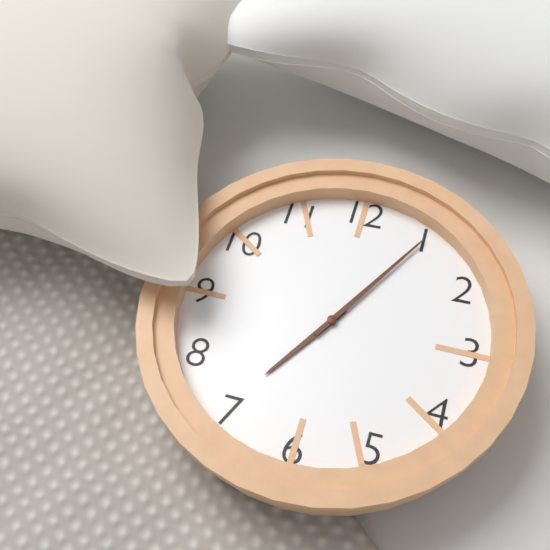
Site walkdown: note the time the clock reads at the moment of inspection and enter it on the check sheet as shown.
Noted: 7:05
